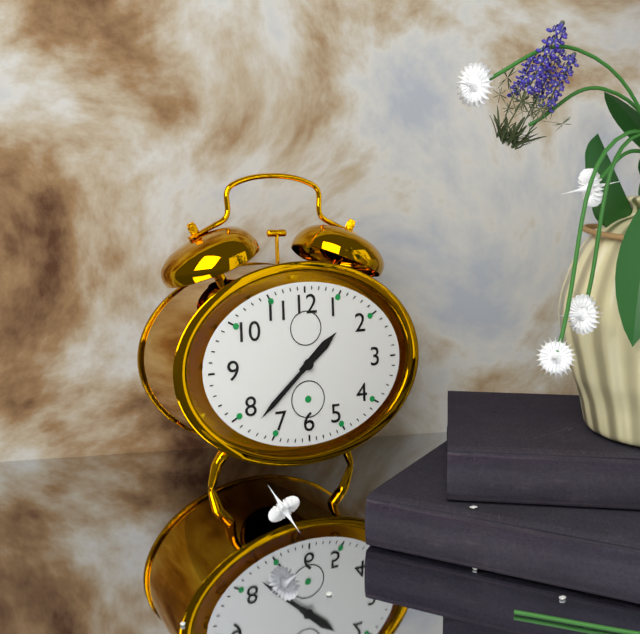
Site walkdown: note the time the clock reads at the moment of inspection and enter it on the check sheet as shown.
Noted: 1:38
